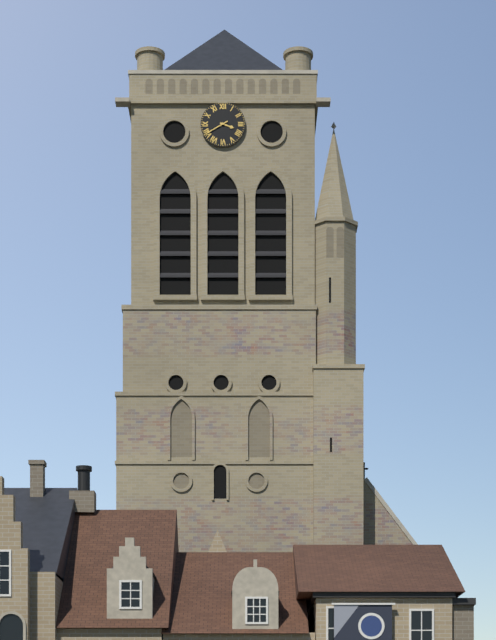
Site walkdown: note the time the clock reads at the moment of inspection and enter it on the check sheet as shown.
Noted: 3:40
